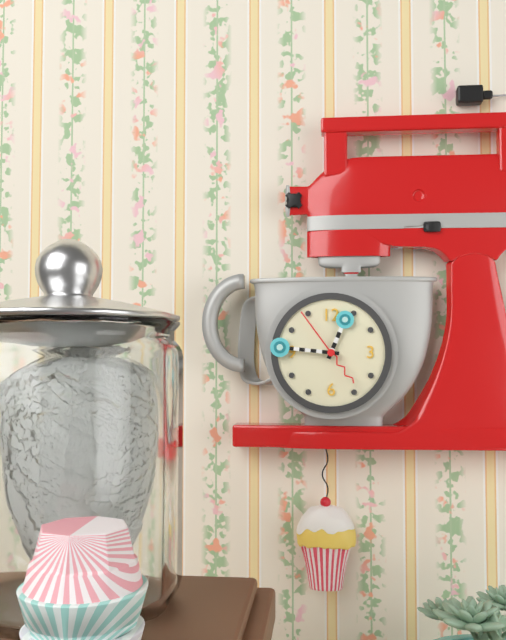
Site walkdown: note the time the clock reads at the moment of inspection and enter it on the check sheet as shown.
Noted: 12:46:54
